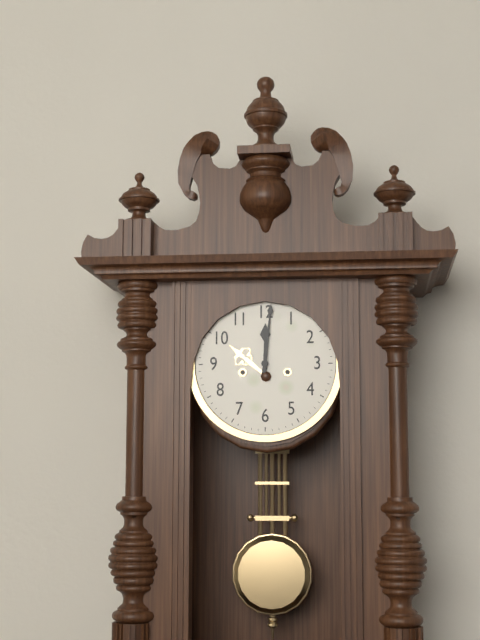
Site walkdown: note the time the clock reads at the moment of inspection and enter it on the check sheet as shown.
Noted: 12:01
